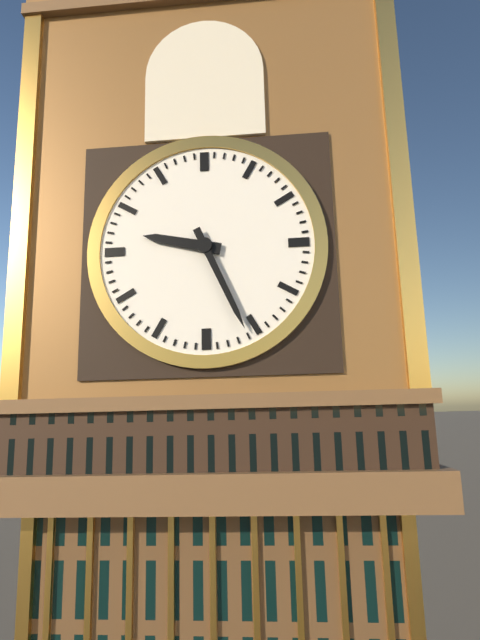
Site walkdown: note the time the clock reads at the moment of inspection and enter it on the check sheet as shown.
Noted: 9:26
